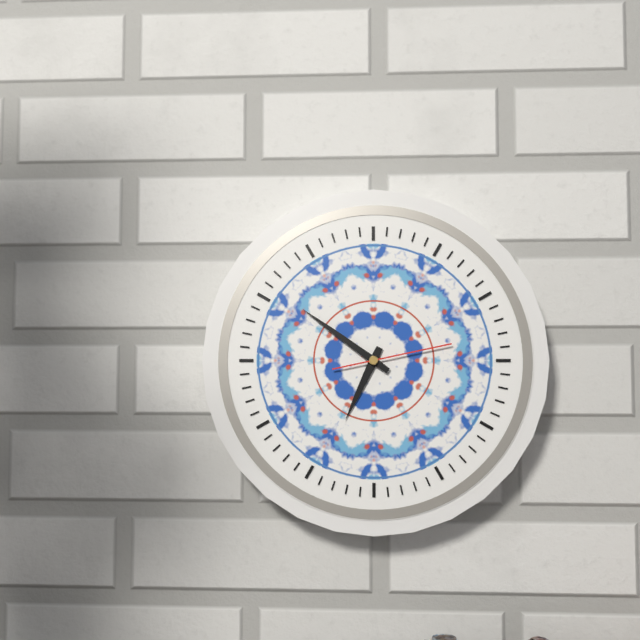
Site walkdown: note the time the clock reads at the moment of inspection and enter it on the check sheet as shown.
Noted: 6:51:13
